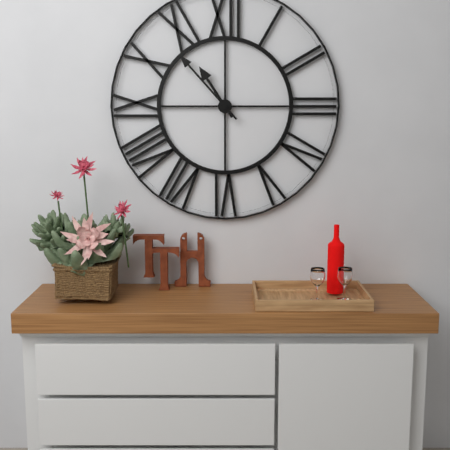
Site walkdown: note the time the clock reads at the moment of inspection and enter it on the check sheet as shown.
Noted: 10:53
